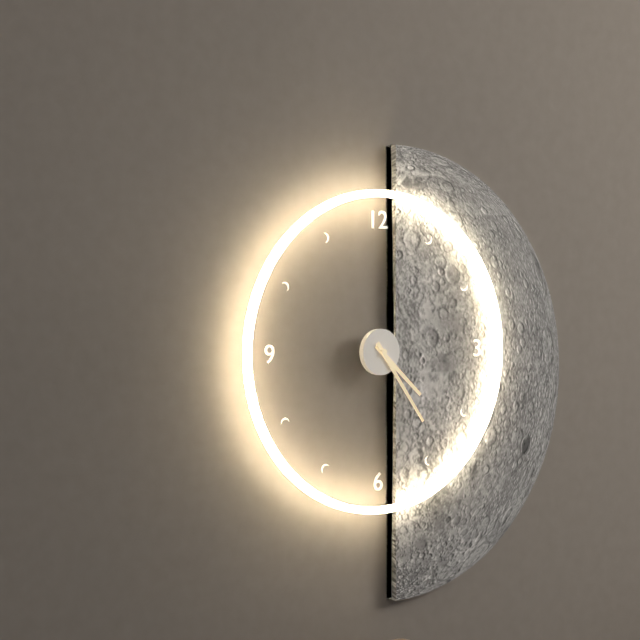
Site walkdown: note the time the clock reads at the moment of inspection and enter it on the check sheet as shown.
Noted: 4:24
